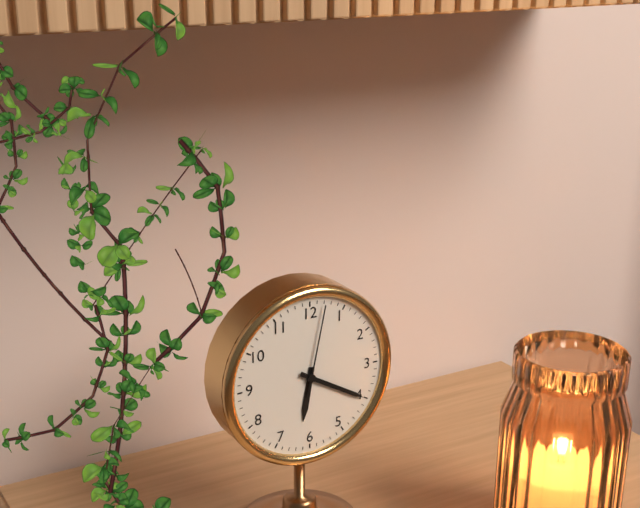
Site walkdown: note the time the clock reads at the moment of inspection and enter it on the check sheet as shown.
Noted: 6:20:02
